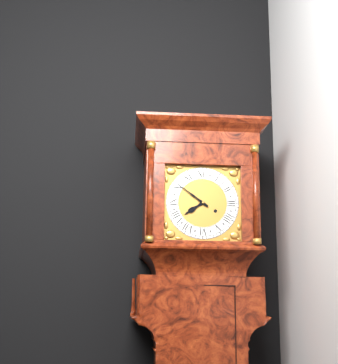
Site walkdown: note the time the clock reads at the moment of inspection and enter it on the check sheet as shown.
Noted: 7:51
